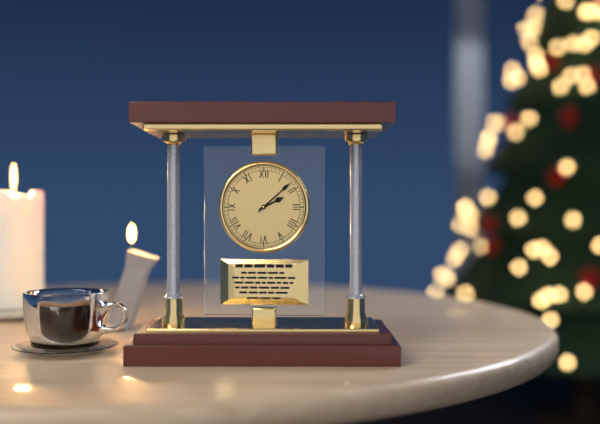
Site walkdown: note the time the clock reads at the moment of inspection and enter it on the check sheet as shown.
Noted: 2:08
